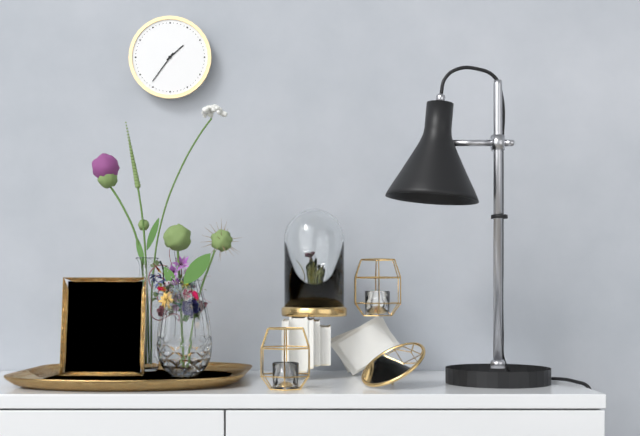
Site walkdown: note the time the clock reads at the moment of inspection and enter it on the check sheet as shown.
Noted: 1:36
